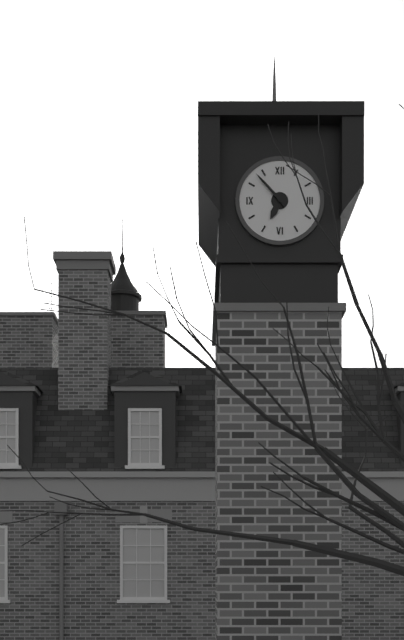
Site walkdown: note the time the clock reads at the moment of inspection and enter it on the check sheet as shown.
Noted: 6:53
